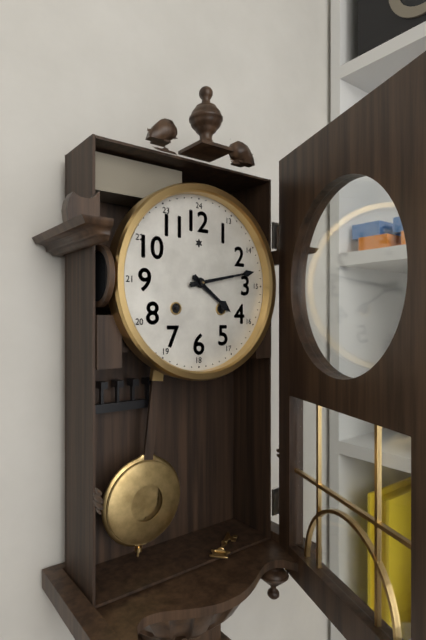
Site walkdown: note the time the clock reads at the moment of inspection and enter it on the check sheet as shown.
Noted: 4:13
